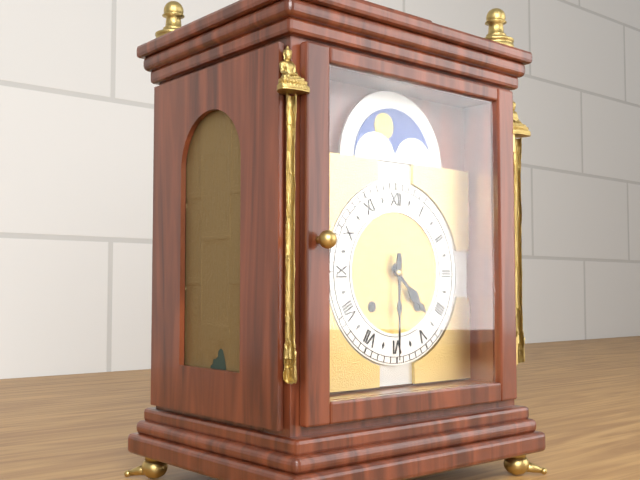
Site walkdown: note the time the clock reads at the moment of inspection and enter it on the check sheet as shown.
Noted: 4:30
